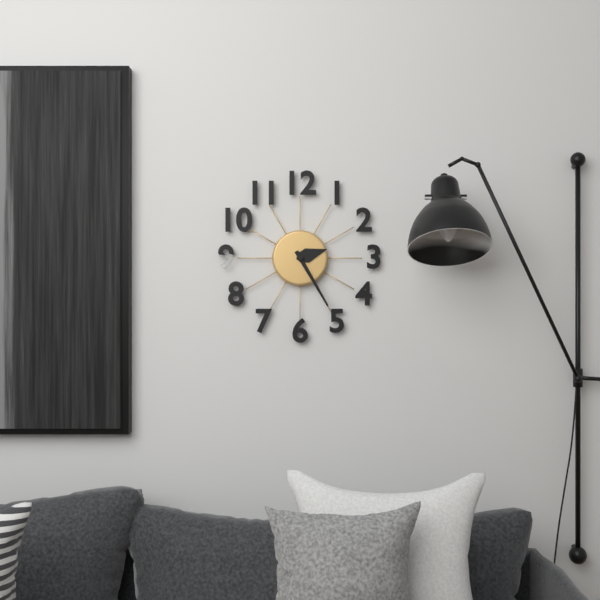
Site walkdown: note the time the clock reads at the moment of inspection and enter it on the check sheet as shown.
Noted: 2:25
